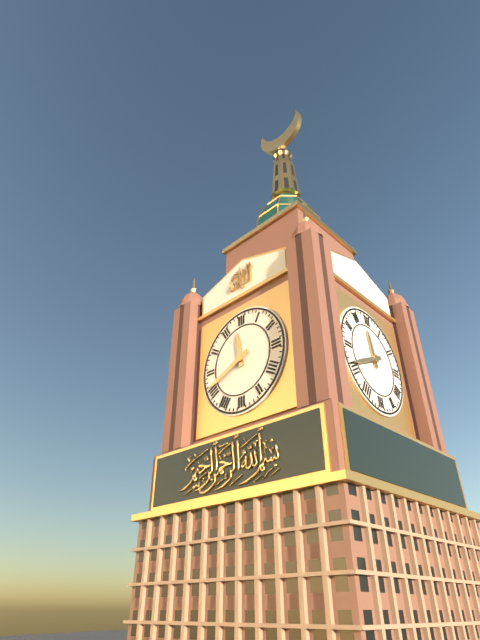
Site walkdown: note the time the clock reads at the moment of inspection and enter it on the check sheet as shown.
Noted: 11:41
